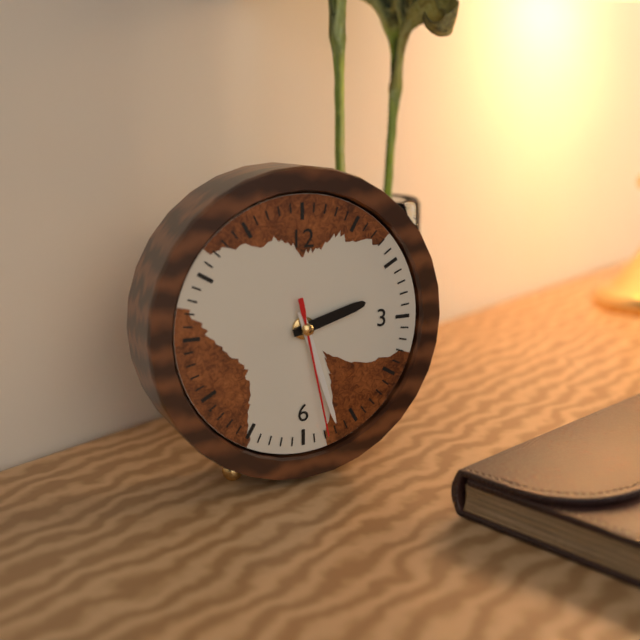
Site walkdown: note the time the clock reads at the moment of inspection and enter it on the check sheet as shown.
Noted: 2:27:28
